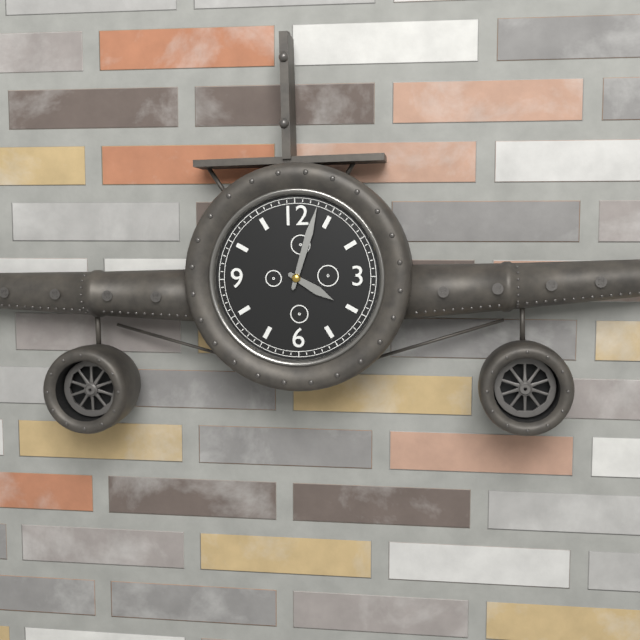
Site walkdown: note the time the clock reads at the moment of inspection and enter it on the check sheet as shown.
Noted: 4:03
